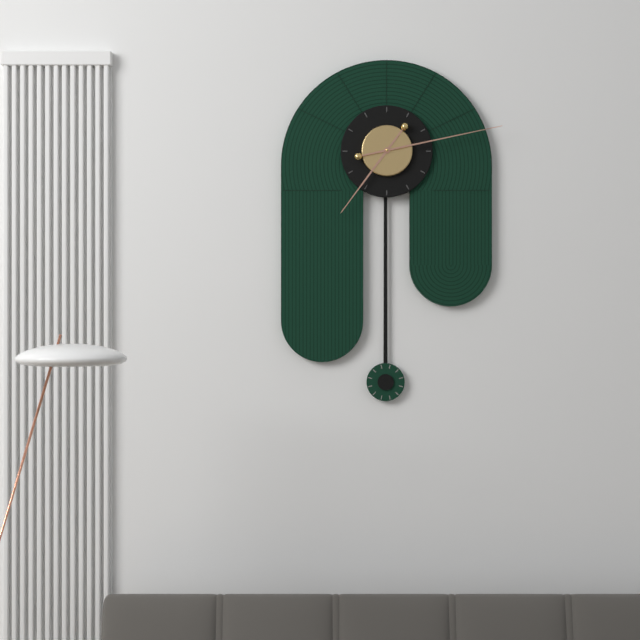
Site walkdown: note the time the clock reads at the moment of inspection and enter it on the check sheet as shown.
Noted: 7:13
